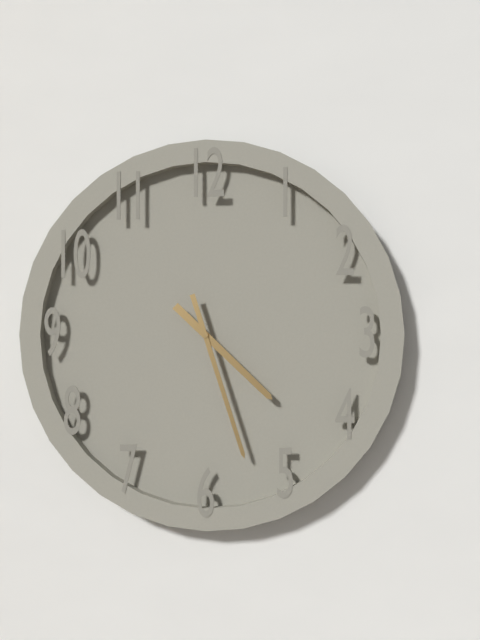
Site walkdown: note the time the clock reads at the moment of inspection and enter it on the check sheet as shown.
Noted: 4:27
